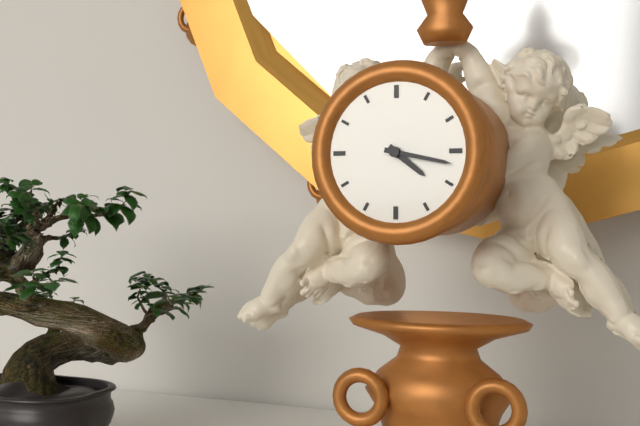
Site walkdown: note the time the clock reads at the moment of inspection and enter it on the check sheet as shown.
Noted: 4:17
